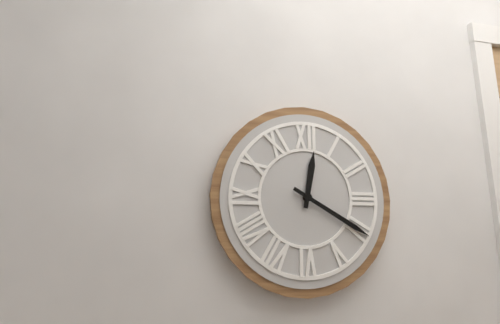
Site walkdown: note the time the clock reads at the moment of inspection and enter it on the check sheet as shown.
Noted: 12:20
